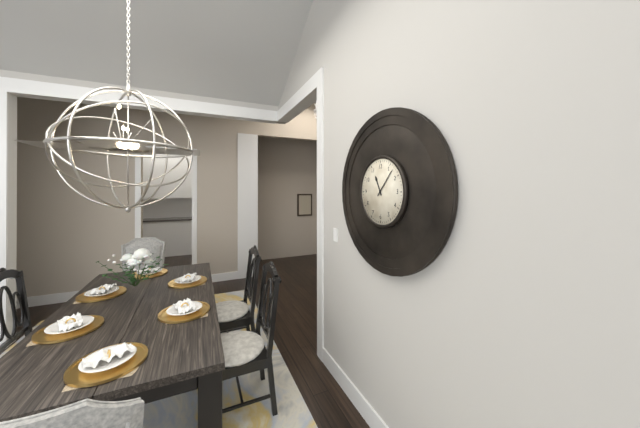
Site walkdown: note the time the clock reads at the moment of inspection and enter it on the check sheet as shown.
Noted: 11:07
